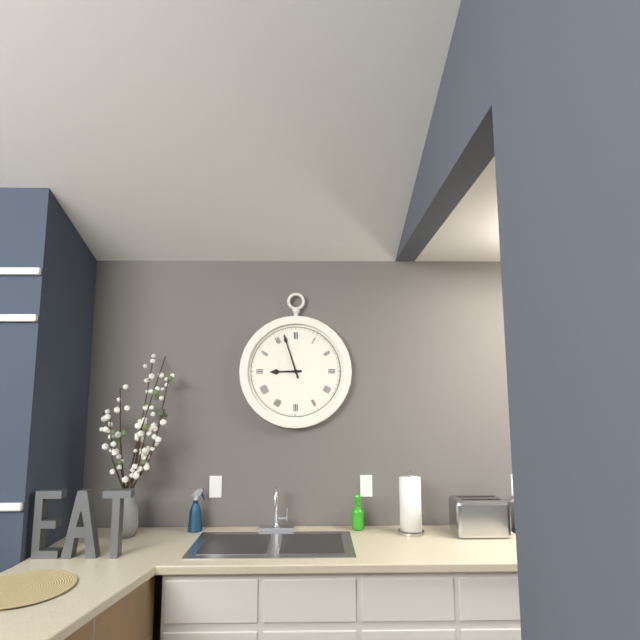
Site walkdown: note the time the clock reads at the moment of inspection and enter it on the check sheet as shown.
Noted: 8:57
